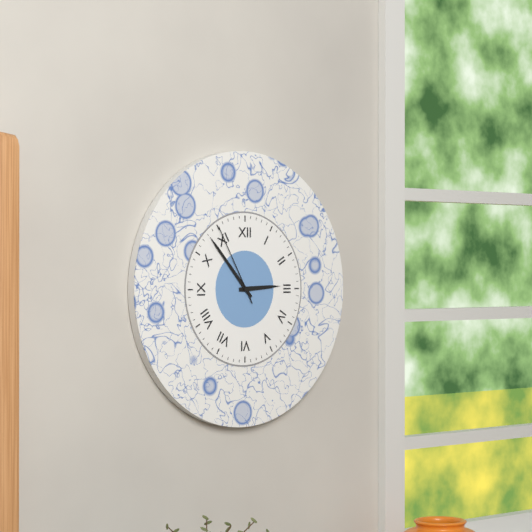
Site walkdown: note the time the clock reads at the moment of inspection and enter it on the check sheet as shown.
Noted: 2:53:55
